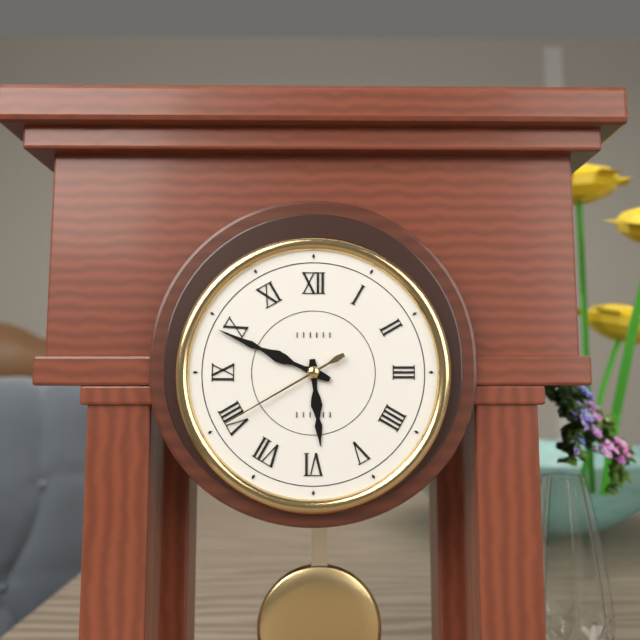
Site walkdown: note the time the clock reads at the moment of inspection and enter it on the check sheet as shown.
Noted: 5:49:40
